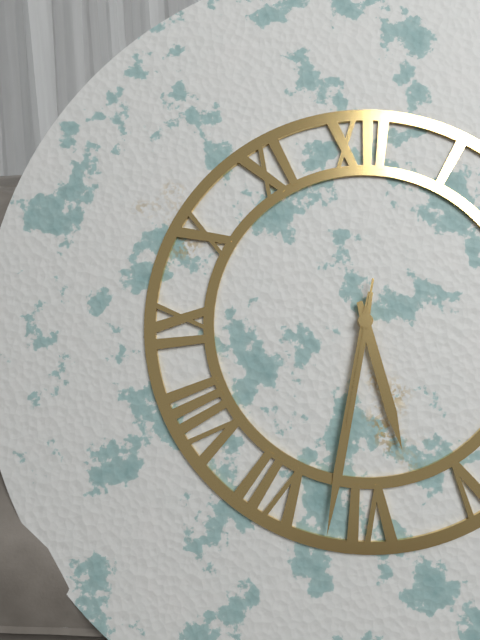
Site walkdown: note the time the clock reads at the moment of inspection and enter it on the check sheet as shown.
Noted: 5:32:32
